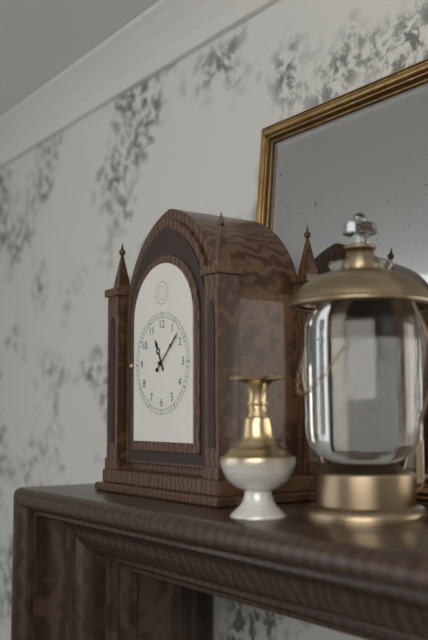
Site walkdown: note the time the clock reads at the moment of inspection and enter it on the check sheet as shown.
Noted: 11:08
